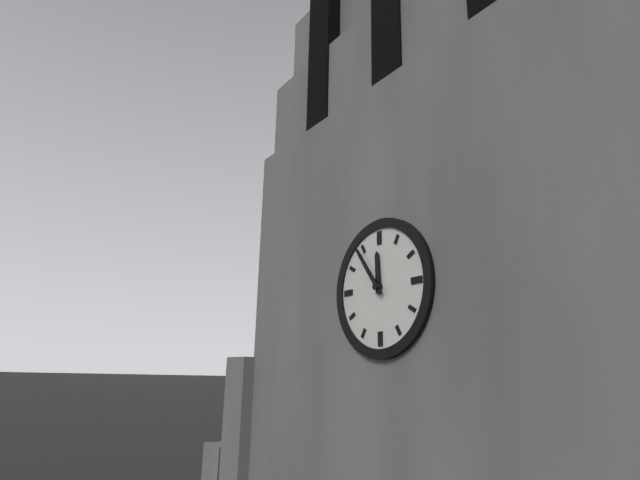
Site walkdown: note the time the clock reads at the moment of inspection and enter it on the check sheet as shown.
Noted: 11:54
